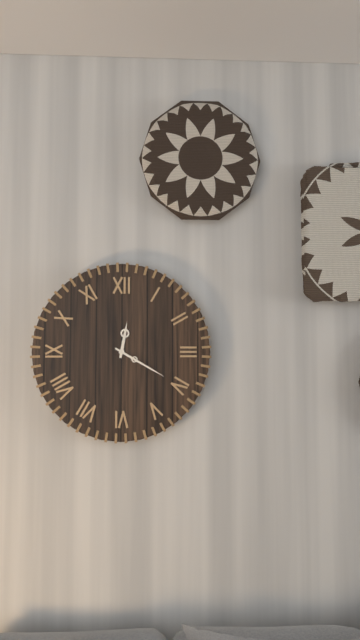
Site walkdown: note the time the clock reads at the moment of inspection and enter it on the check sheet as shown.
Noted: 12:20
